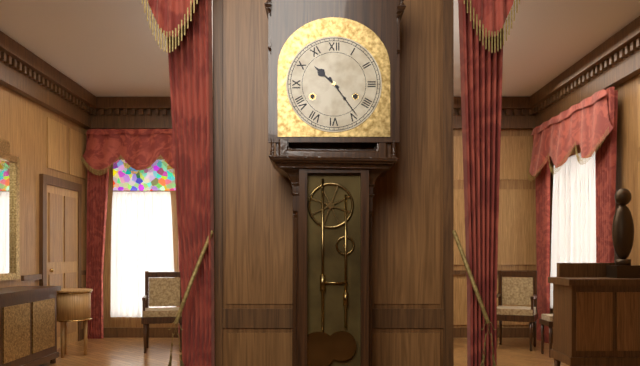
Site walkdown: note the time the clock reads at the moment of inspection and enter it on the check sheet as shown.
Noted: 10:24
